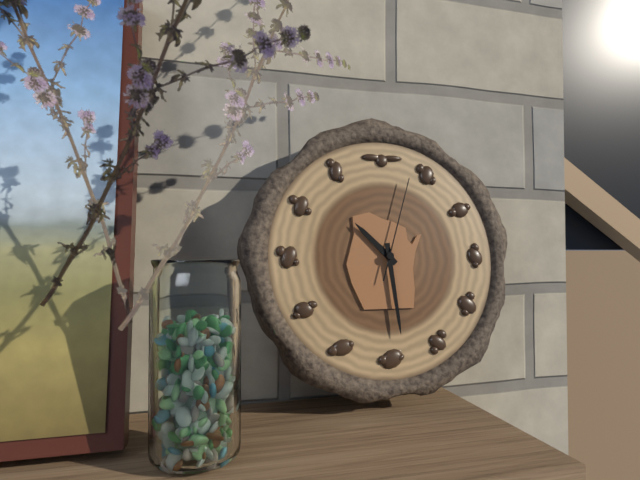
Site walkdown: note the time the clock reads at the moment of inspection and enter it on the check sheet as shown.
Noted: 10:29:03
